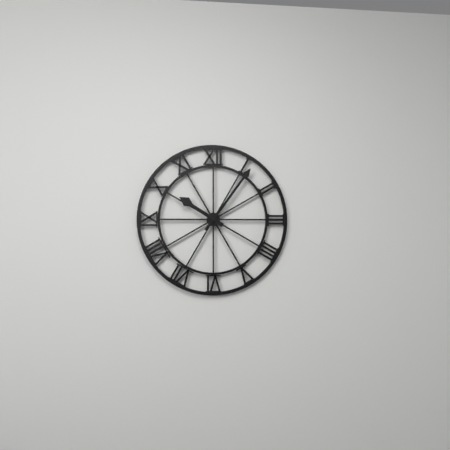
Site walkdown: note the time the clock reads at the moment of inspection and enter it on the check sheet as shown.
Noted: 10:06
